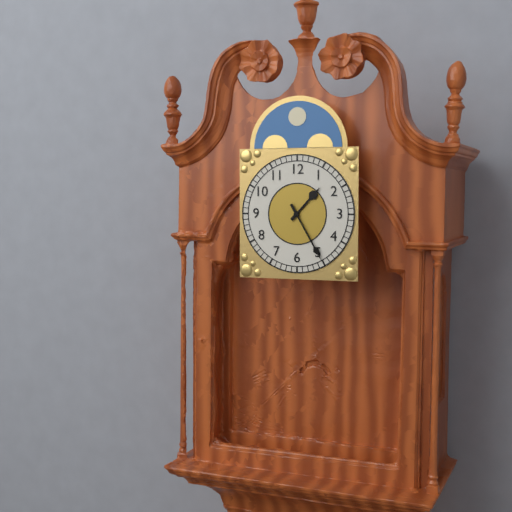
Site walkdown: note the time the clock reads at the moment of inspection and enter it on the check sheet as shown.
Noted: 1:25
